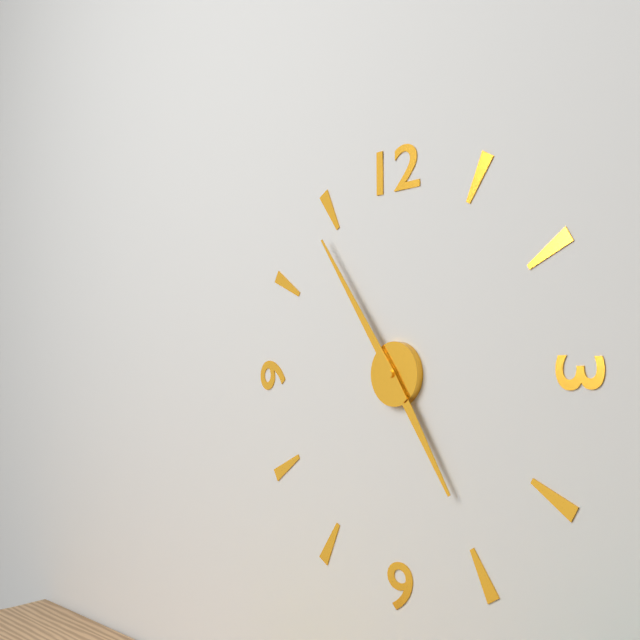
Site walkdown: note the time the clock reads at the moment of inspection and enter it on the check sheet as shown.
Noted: 4:54
